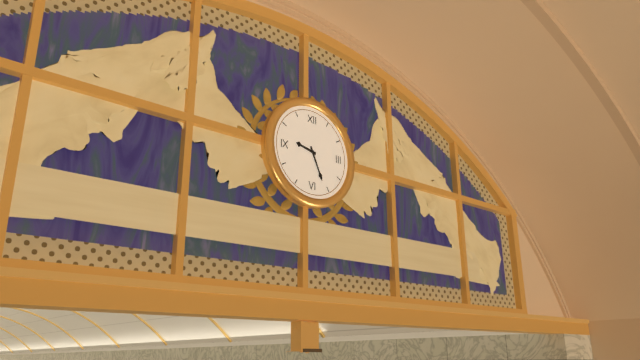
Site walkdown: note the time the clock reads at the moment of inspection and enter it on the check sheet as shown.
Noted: 9:26
